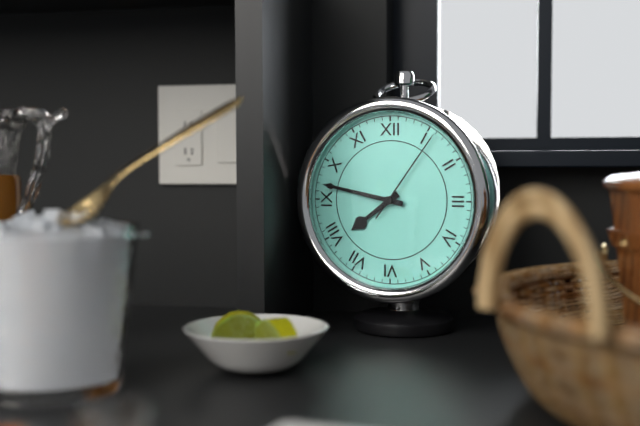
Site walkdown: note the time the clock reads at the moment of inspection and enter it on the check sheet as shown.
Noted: 7:47:06
